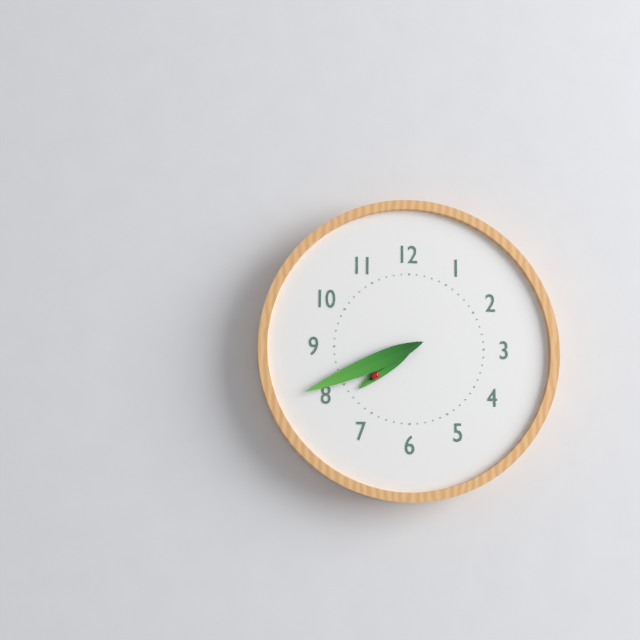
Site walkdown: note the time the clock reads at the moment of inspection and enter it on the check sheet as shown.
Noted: 7:41
